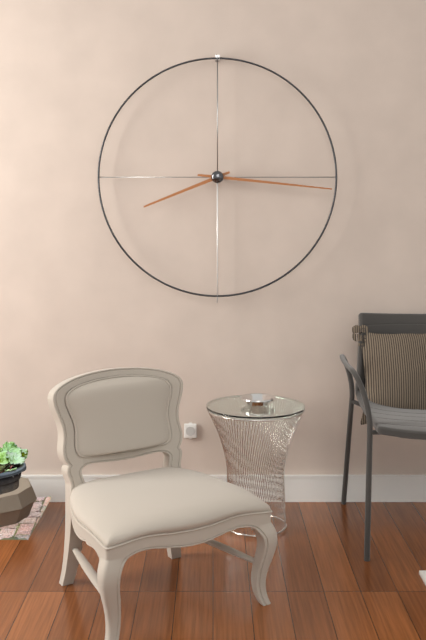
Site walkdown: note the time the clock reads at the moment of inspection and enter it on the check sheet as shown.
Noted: 8:16
